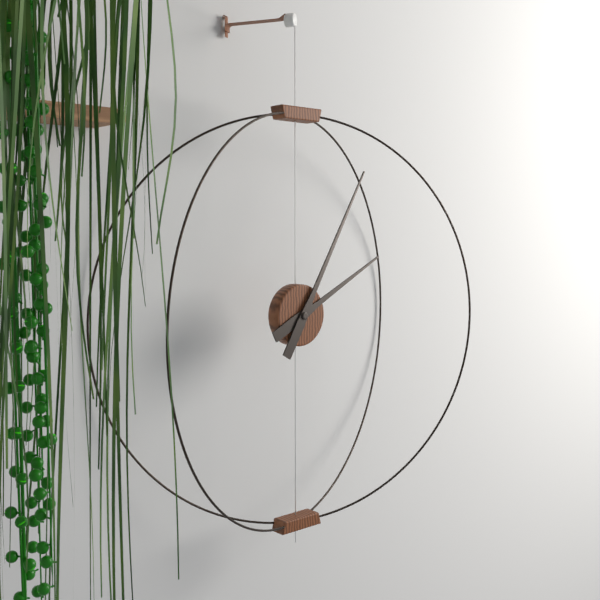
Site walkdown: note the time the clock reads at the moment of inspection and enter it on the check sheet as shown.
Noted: 2:05
